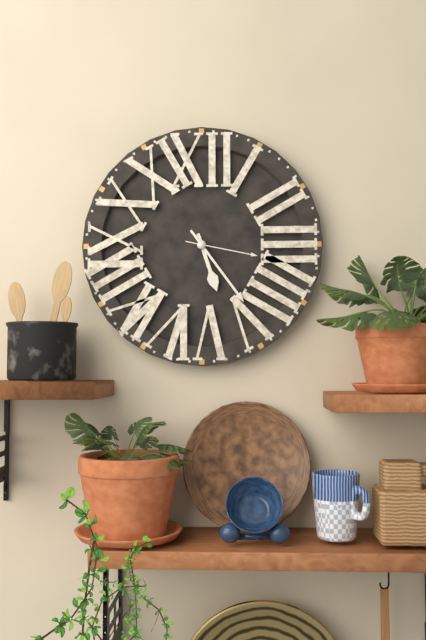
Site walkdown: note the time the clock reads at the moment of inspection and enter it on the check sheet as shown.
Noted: 5:24:17
